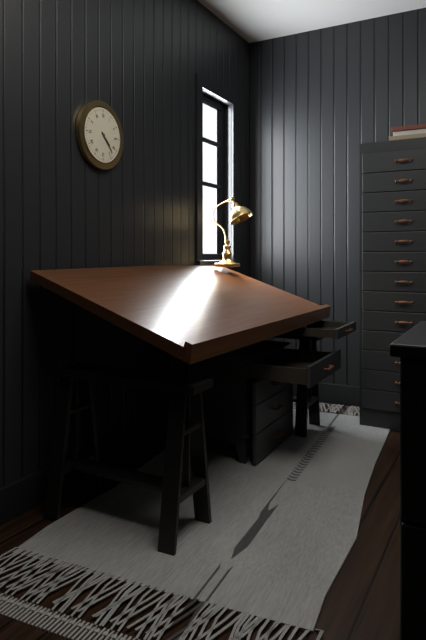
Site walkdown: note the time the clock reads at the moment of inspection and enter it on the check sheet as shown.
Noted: 4:23
